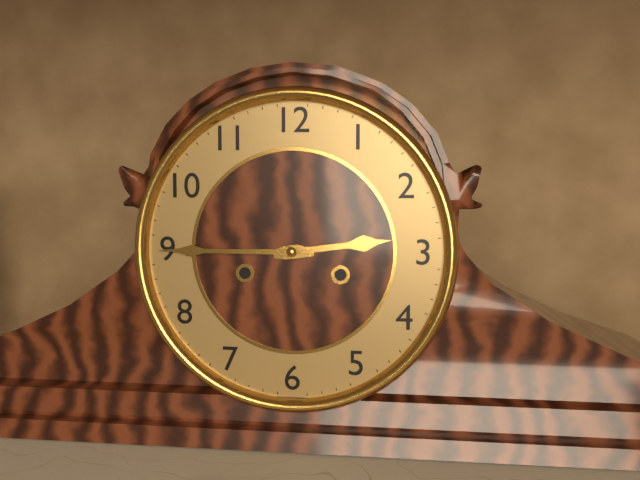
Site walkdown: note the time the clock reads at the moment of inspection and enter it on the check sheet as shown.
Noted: 2:45
